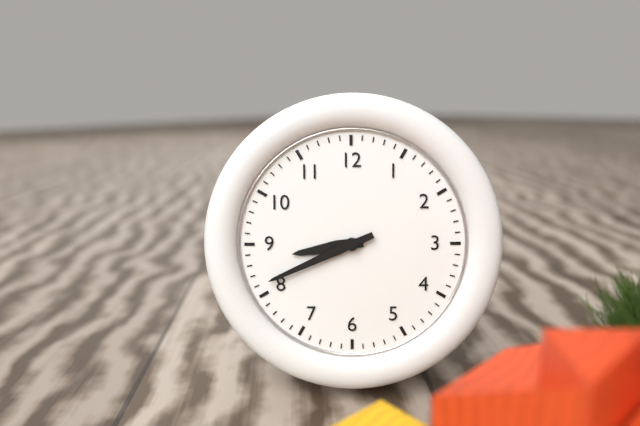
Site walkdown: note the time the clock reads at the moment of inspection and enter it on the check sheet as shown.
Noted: 8:41
